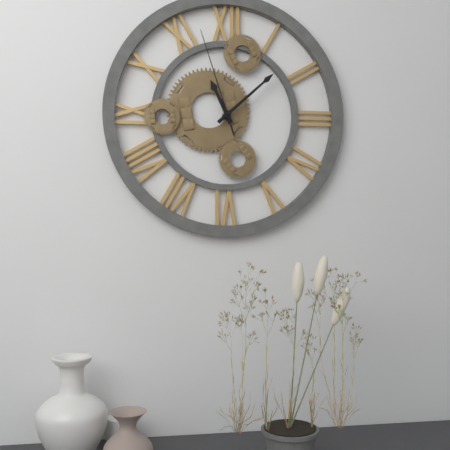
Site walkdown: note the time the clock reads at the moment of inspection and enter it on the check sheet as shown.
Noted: 11:08:57
